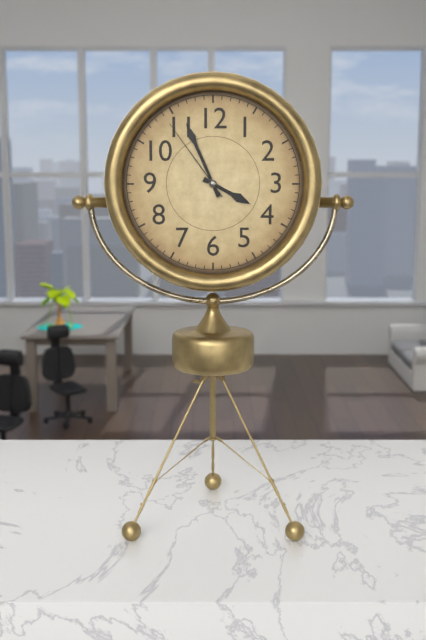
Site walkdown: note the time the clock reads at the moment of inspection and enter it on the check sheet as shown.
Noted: 3:56:54
